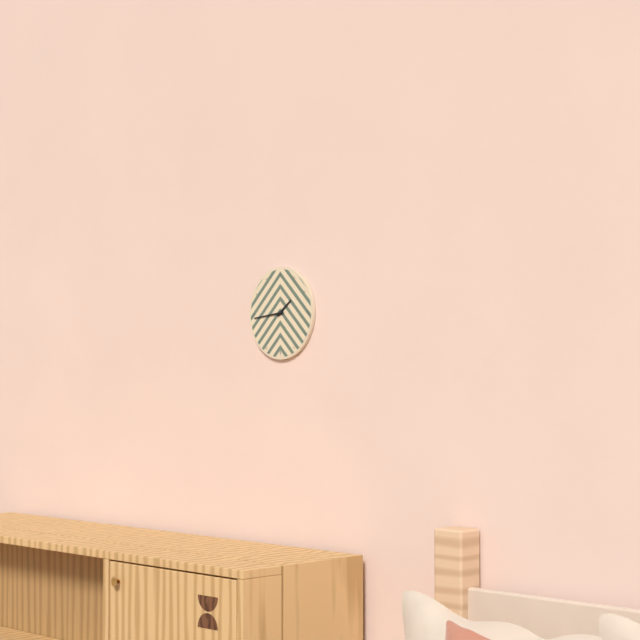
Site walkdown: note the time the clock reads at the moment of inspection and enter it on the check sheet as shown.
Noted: 1:44
